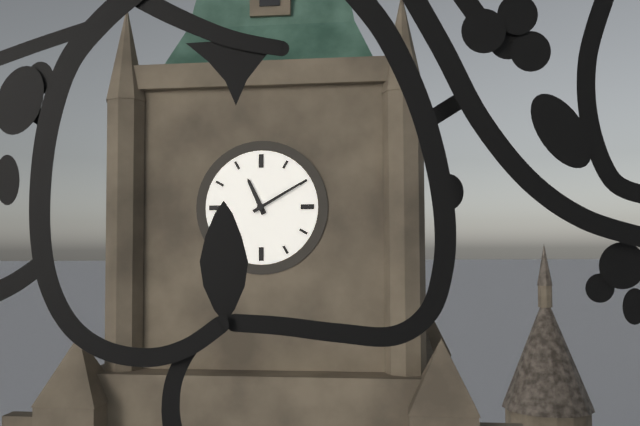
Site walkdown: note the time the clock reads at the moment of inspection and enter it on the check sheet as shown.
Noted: 11:10
